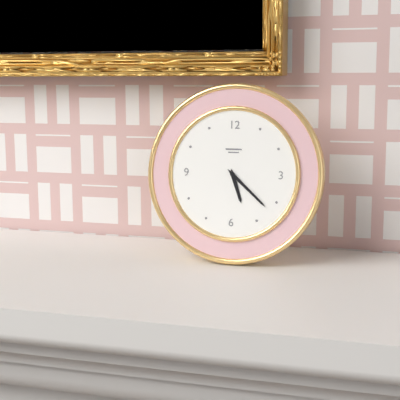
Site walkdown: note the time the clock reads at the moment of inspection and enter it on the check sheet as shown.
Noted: 5:22
